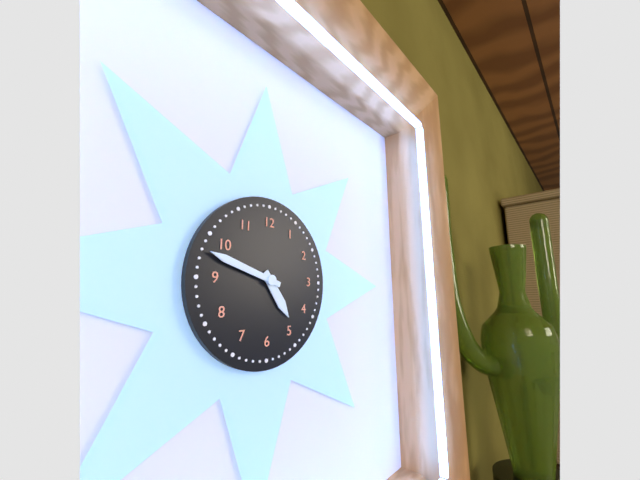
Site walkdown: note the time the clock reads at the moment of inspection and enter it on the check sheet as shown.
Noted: 4:48
